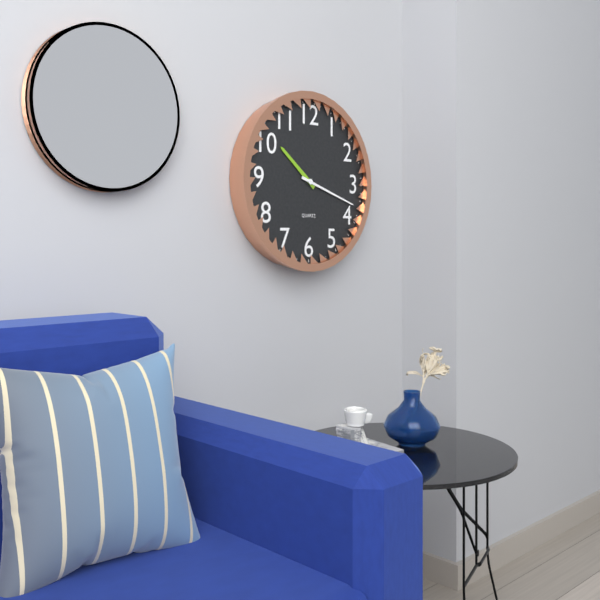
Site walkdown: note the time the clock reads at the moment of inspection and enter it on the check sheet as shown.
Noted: 10:18
